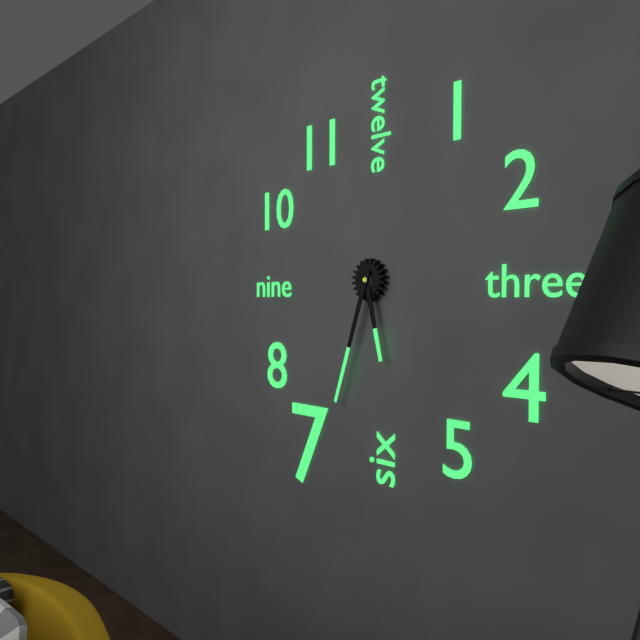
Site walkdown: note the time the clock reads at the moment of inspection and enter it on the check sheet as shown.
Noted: 5:33
